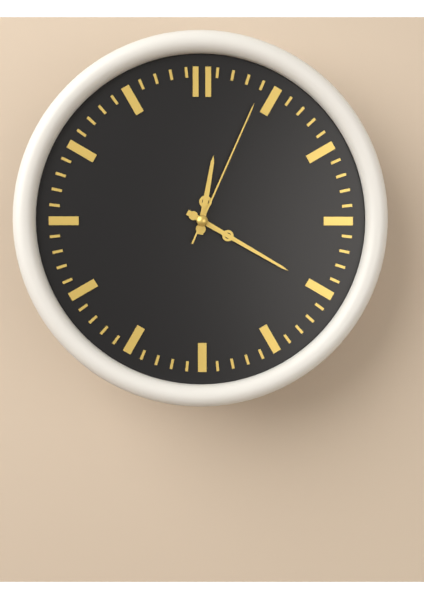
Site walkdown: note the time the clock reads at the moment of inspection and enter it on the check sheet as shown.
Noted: 12:20:04
